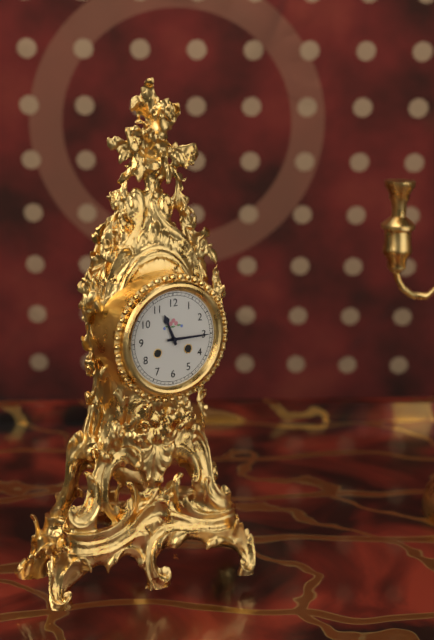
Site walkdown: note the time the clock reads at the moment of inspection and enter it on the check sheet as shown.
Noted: 11:15
